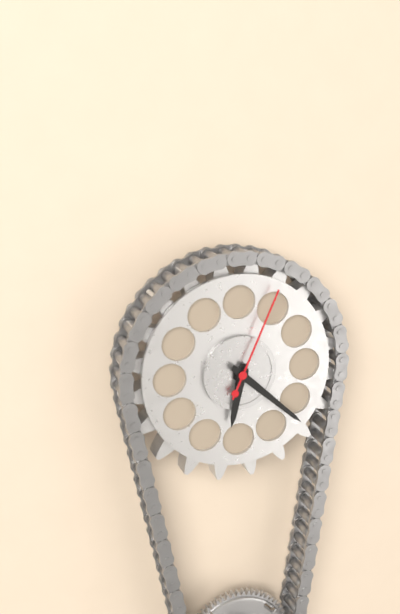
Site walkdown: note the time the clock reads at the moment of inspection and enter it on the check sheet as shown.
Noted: 6:22:04
